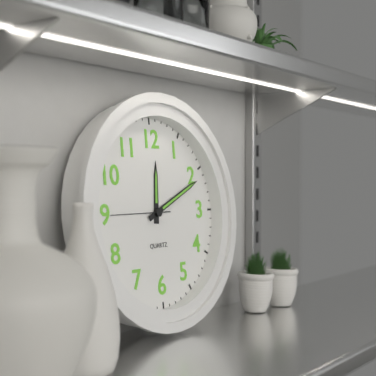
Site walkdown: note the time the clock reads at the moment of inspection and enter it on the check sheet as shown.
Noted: 12:11:45
